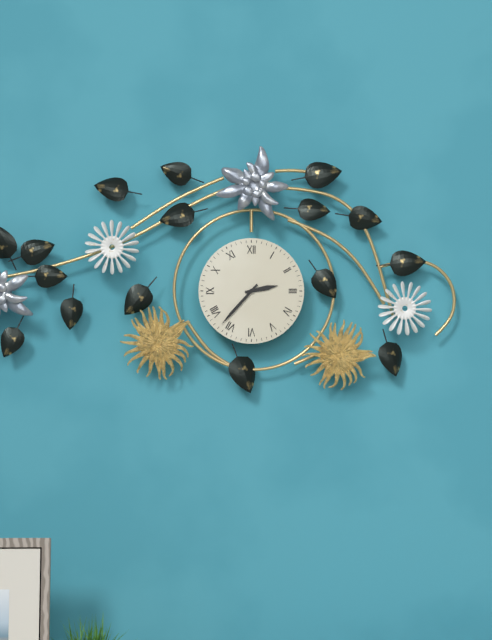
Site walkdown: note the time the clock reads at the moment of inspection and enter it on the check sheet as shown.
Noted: 2:37
